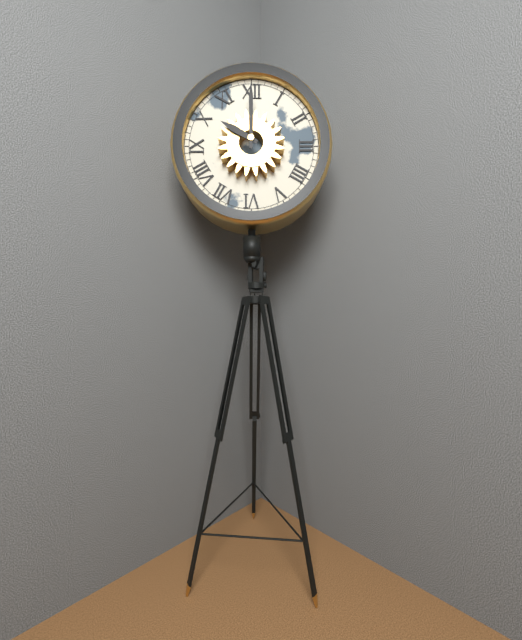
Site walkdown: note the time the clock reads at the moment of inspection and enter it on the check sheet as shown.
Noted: 10:00
